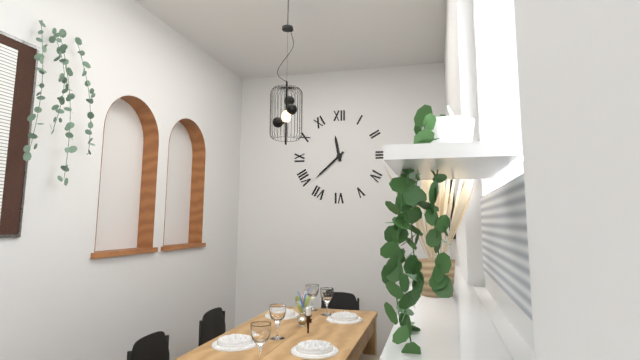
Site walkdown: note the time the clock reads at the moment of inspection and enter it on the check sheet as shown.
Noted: 11:38
